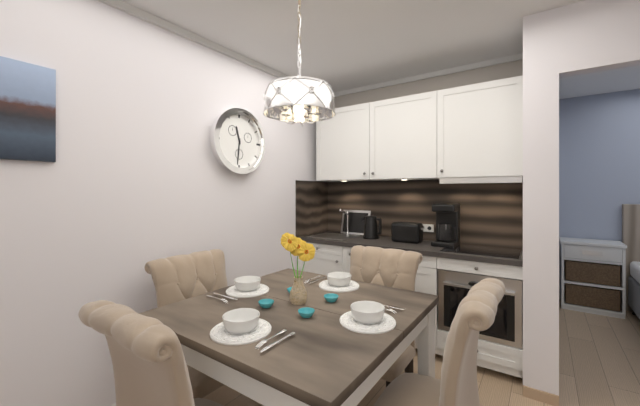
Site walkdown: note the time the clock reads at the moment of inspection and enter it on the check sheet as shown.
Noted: 11:31
